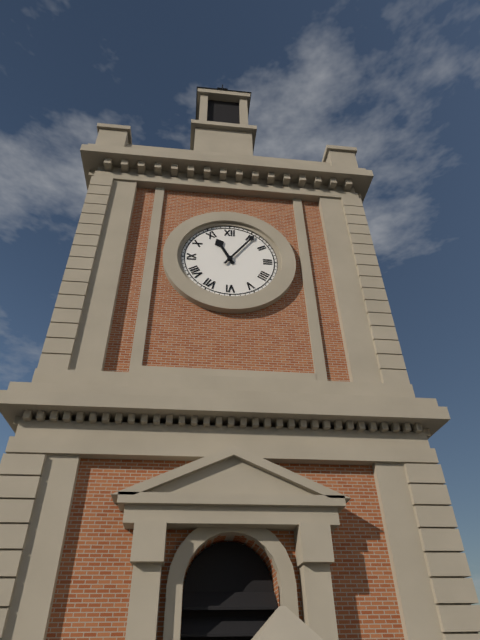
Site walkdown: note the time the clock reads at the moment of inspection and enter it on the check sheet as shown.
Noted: 11:06
